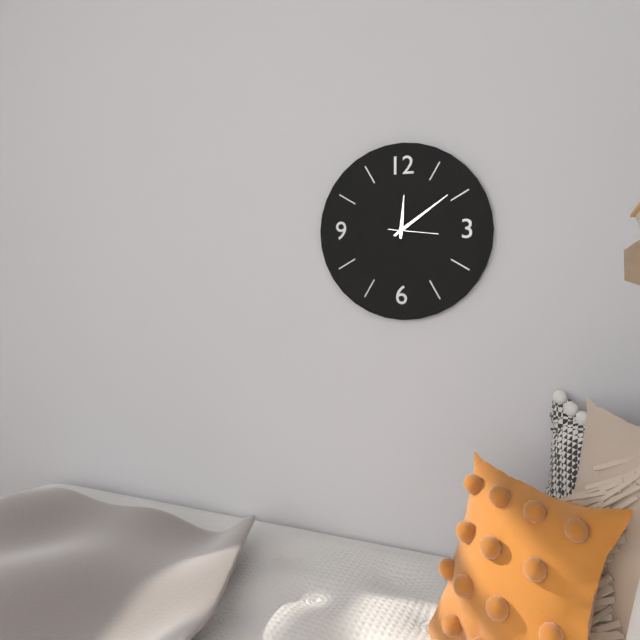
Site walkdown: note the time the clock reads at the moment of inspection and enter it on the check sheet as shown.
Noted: 12:09
